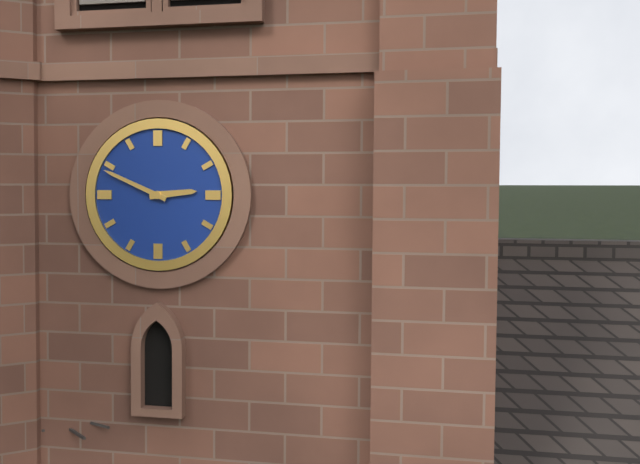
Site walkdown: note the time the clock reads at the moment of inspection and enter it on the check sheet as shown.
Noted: 2:49
